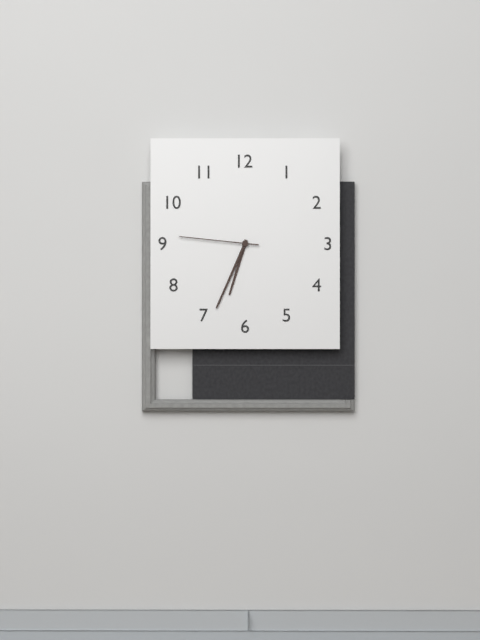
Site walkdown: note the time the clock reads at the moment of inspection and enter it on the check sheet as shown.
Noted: 6:34:46
